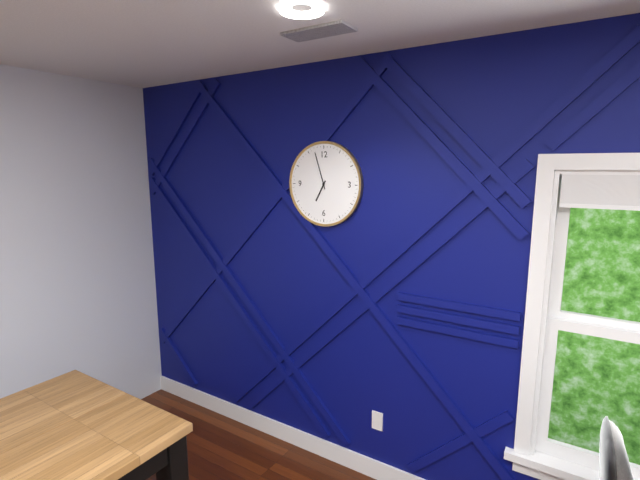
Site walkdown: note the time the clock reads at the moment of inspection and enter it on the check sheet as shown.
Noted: 6:57
